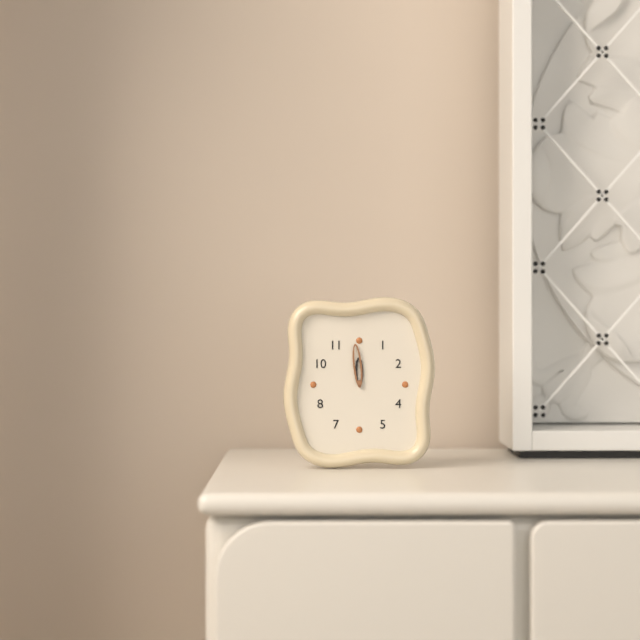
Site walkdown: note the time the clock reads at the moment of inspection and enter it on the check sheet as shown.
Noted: 11:59
